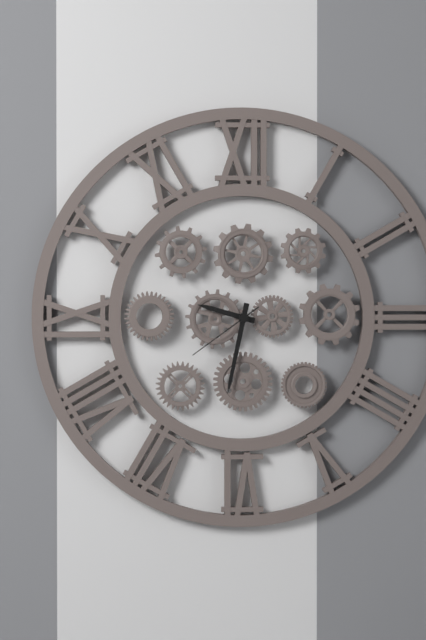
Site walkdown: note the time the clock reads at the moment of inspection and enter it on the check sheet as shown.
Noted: 9:32:39
